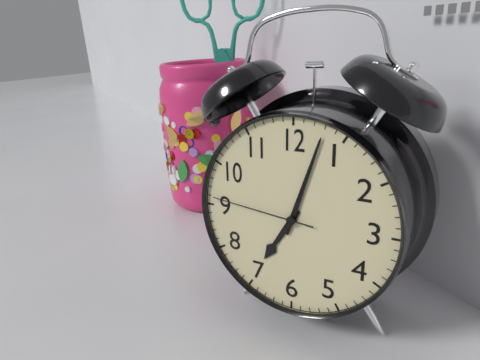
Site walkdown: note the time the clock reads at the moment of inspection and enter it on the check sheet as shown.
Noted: 7:03:46
